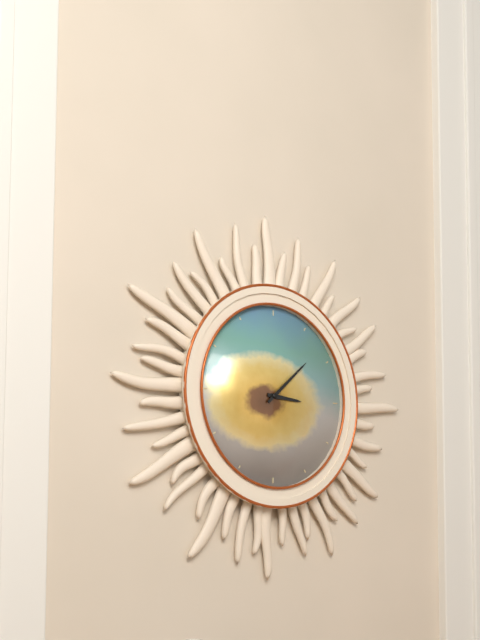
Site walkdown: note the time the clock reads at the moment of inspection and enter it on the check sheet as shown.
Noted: 3:08
